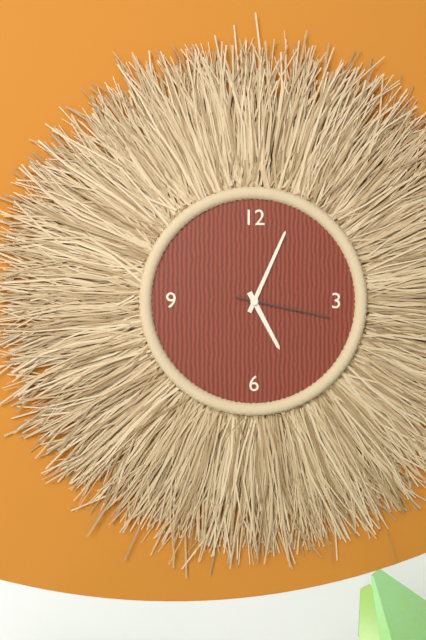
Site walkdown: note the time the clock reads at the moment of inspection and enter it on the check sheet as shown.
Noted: 5:04:17
